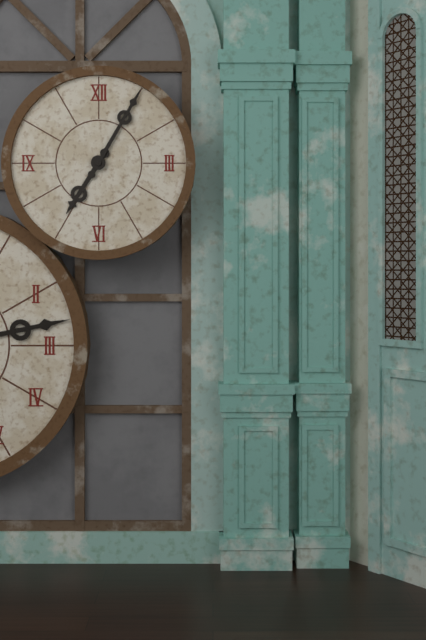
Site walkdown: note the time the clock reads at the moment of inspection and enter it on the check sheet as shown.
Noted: 7:05
